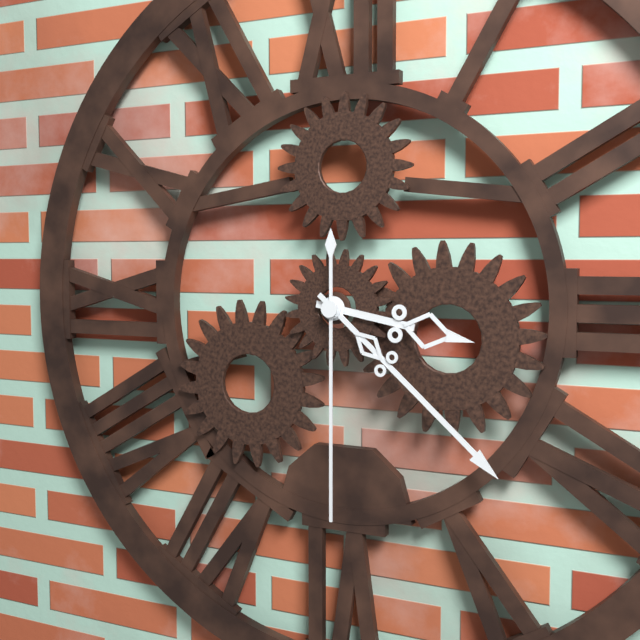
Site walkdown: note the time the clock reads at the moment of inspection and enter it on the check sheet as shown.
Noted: 3:22:30
